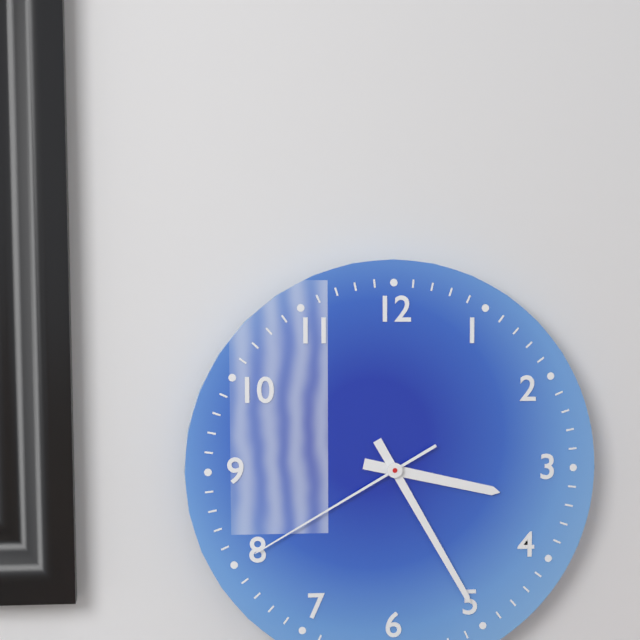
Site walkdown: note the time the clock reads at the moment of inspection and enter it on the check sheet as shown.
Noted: 3:25:40
